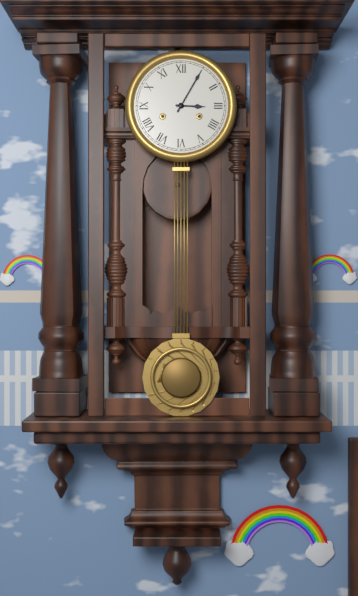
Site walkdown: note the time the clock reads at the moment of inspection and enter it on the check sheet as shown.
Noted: 3:05
